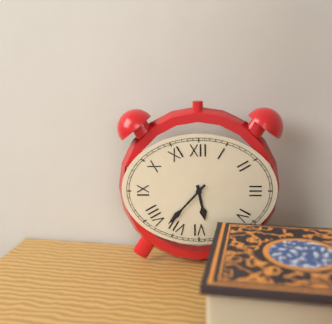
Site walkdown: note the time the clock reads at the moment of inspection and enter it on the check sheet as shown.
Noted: 5:37
